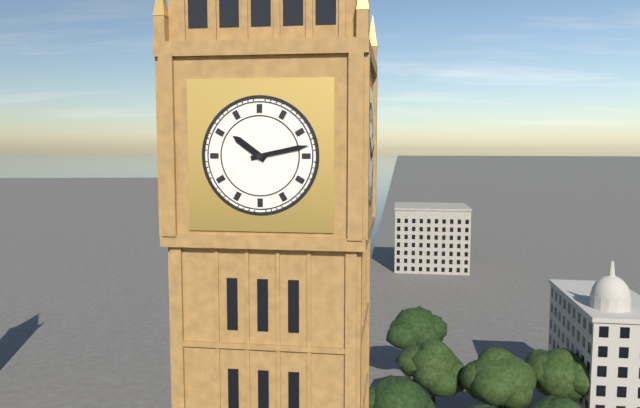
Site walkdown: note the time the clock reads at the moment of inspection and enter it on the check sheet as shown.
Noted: 10:13
